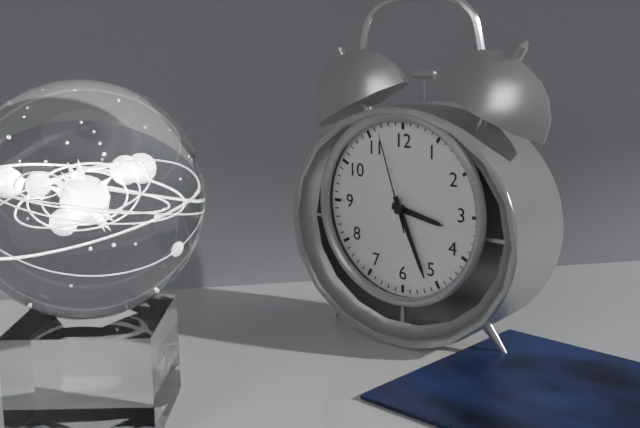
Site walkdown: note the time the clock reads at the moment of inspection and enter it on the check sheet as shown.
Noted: 3:26:57
